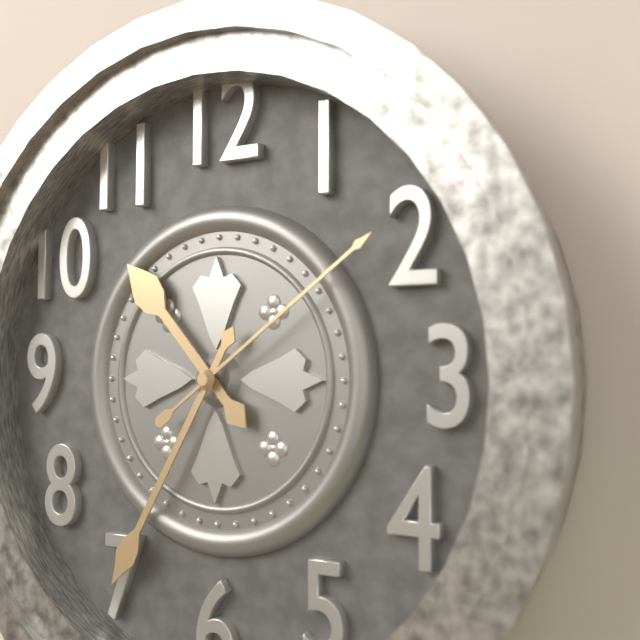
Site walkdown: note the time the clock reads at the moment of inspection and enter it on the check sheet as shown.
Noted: 10:35:09
